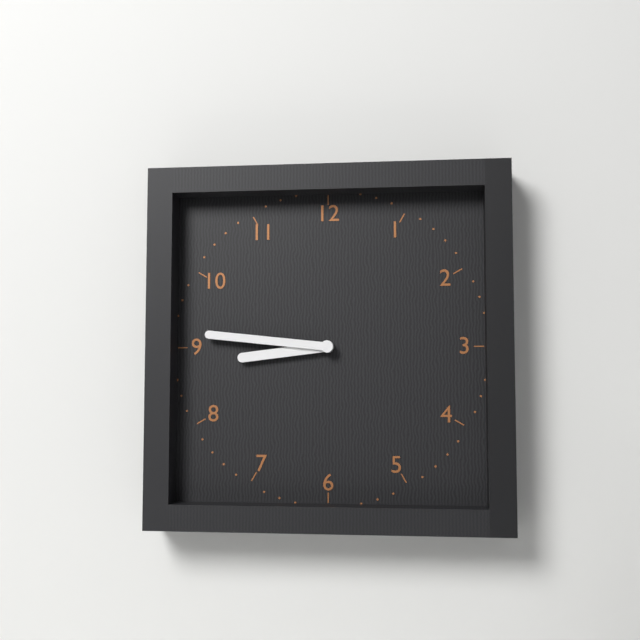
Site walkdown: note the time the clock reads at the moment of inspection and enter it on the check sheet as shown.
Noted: 8:46
